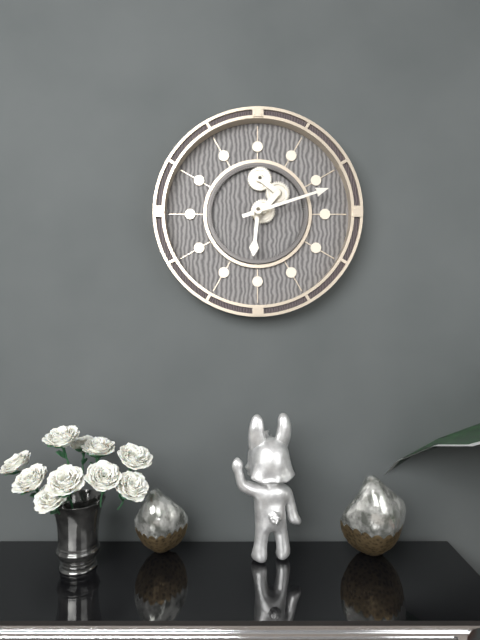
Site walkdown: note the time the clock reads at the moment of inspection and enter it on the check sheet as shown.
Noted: 6:12
